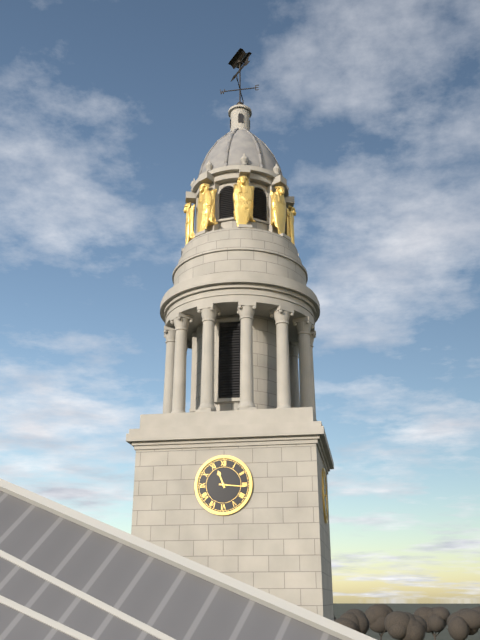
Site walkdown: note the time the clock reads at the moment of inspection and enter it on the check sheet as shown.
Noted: 11:16
